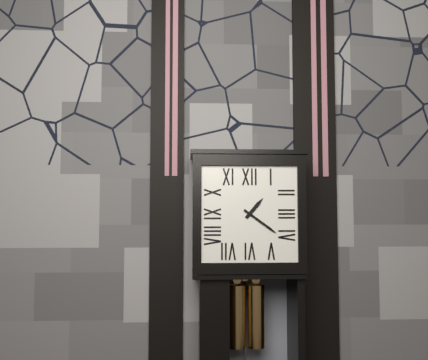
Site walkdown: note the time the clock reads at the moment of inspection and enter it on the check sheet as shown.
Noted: 1:21
